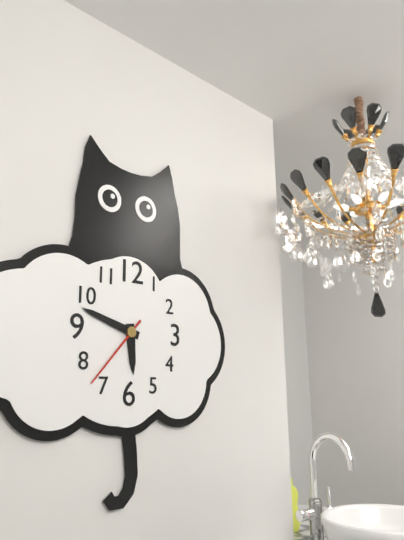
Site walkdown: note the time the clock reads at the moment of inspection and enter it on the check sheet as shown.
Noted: 5:48:37
